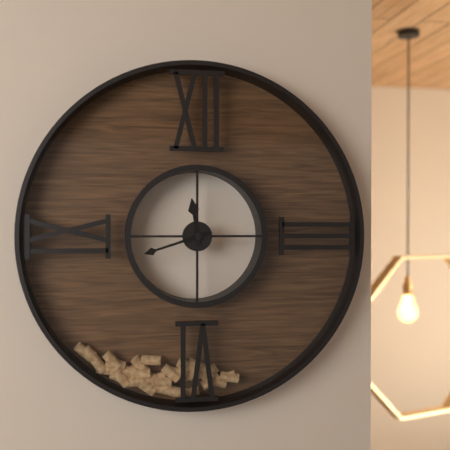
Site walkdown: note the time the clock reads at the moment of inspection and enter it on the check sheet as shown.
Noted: 11:42
